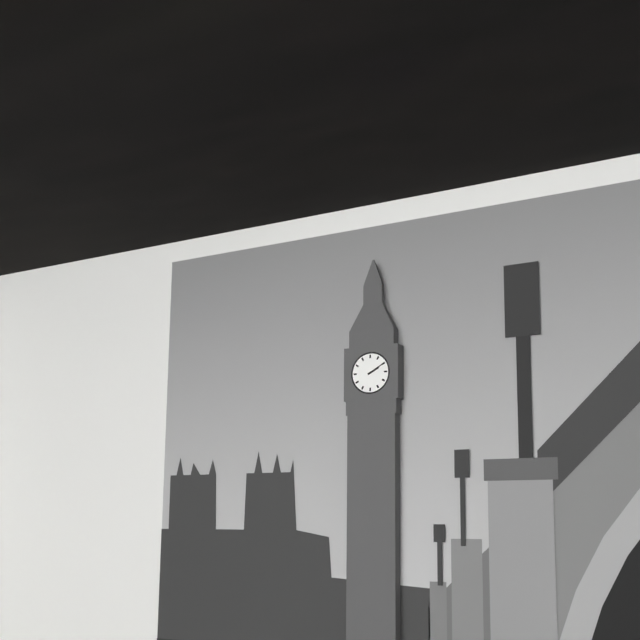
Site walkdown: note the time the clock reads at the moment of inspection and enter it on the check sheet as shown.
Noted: 2:10
